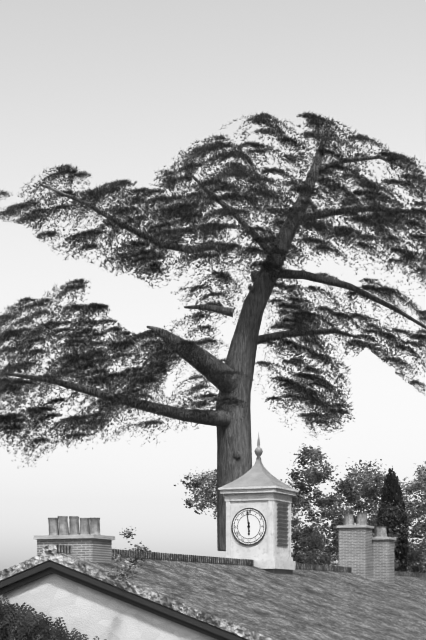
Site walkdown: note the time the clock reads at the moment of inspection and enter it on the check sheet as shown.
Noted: 5:59
